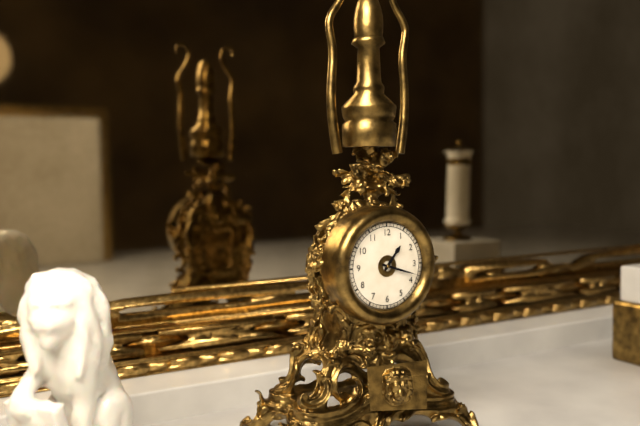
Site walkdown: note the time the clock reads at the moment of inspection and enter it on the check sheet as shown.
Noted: 1:18
